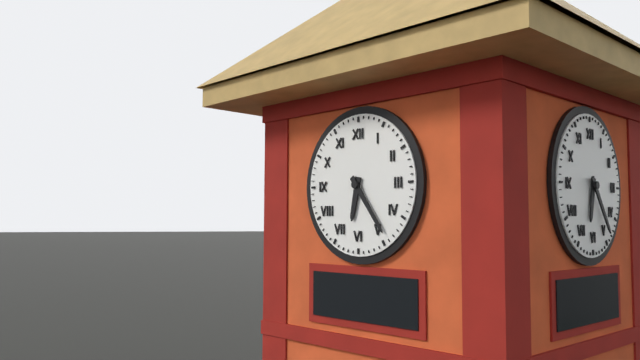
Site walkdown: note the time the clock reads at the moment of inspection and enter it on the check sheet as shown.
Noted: 6:24
